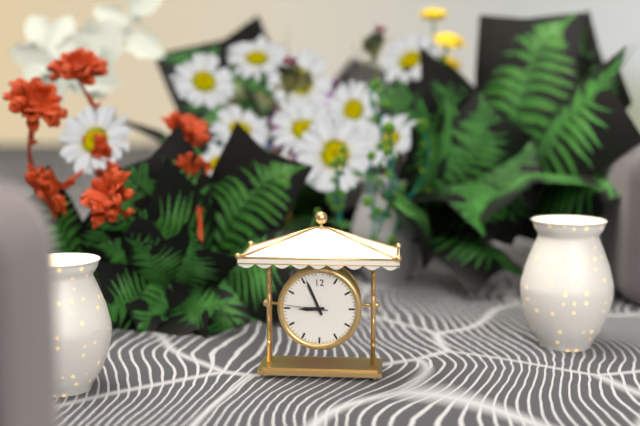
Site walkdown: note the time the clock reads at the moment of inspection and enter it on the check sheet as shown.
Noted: 8:56
